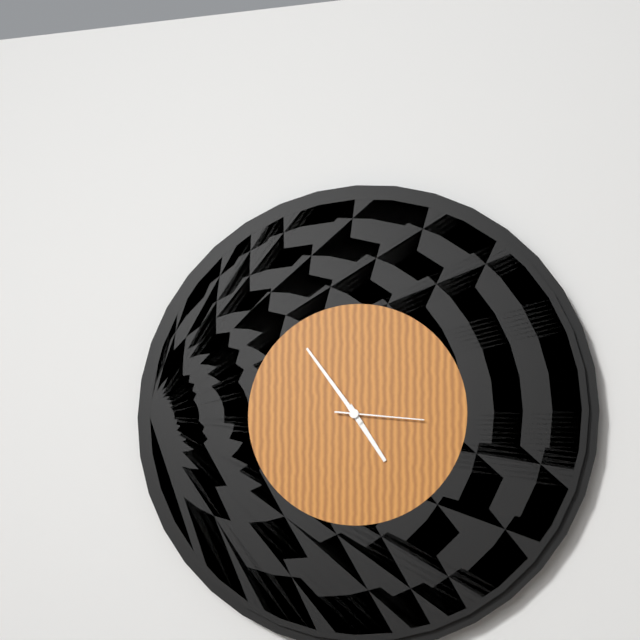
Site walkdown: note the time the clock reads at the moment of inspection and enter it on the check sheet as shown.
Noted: 4:54:16
